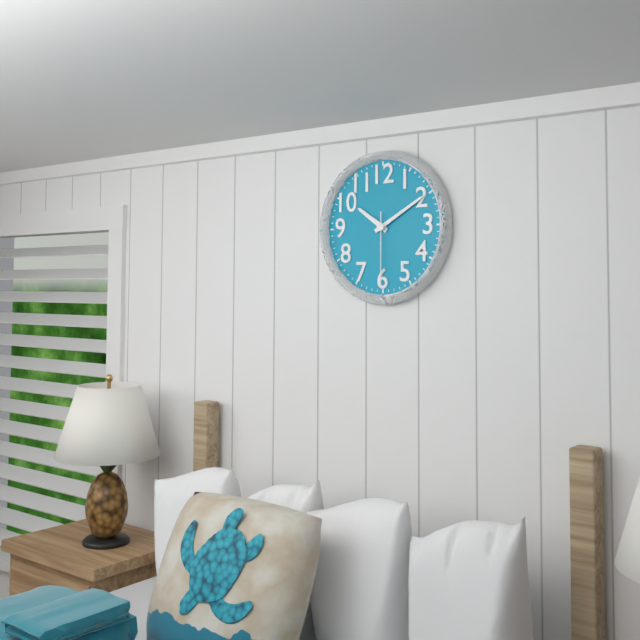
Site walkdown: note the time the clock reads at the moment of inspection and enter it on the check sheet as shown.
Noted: 10:10:30
